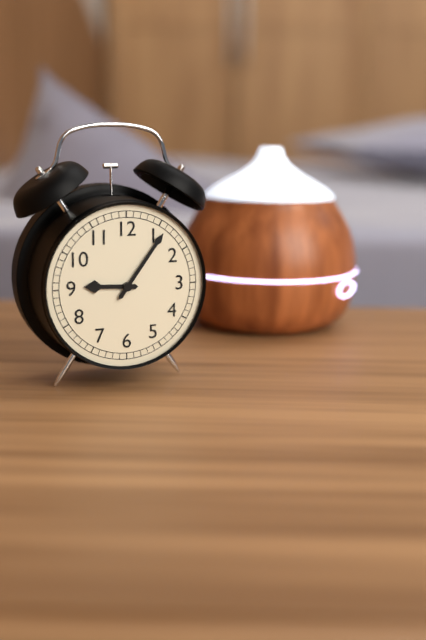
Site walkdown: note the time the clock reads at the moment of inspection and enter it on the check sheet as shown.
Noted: 9:06
